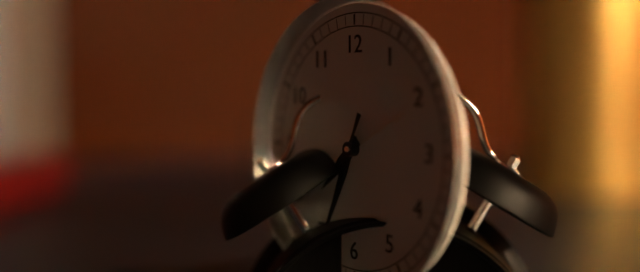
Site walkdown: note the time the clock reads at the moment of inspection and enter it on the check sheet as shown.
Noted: 7:34:34
